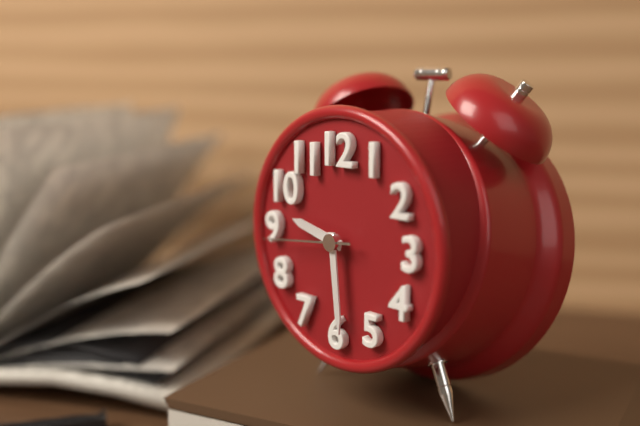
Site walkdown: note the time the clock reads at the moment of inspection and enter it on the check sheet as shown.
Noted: 9:29:44
